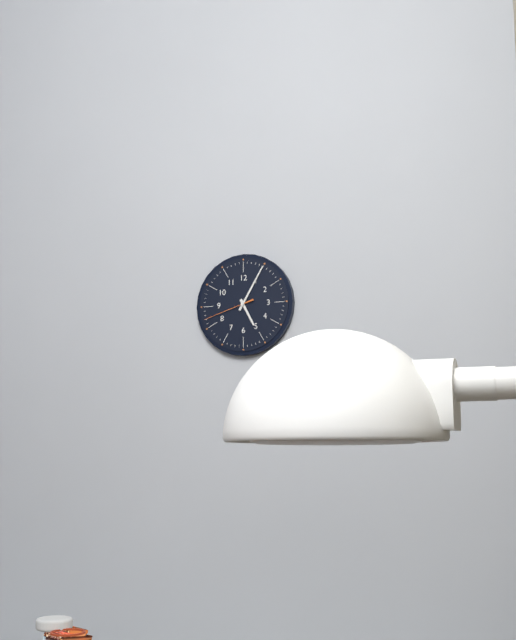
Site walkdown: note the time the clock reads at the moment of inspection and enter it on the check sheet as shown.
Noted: 5:05:42
